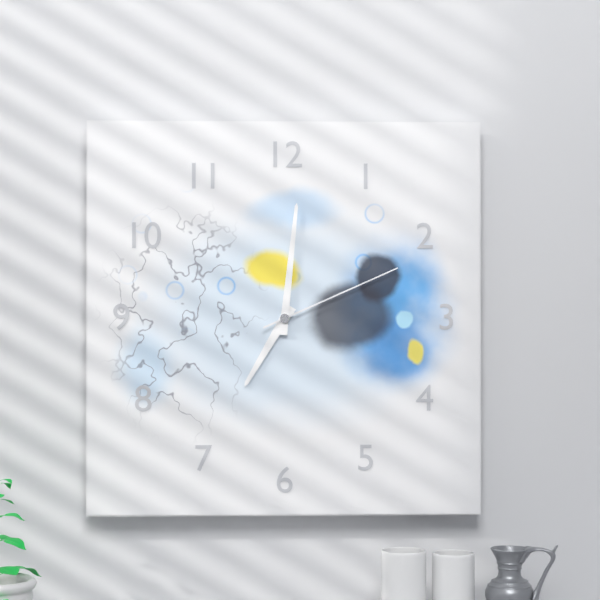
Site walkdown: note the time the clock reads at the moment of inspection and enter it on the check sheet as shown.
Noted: 7:01:11
